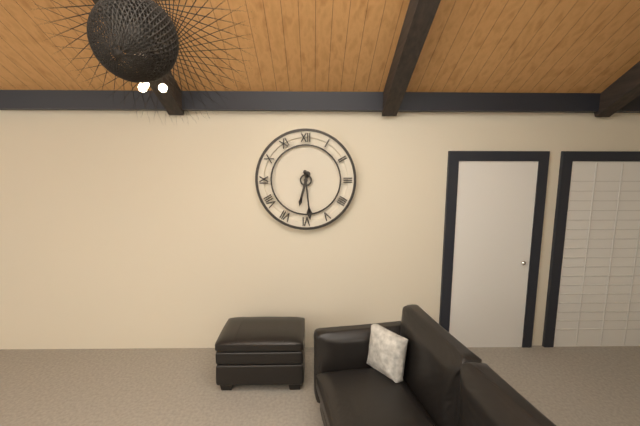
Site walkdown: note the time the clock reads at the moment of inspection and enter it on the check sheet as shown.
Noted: 6:29
